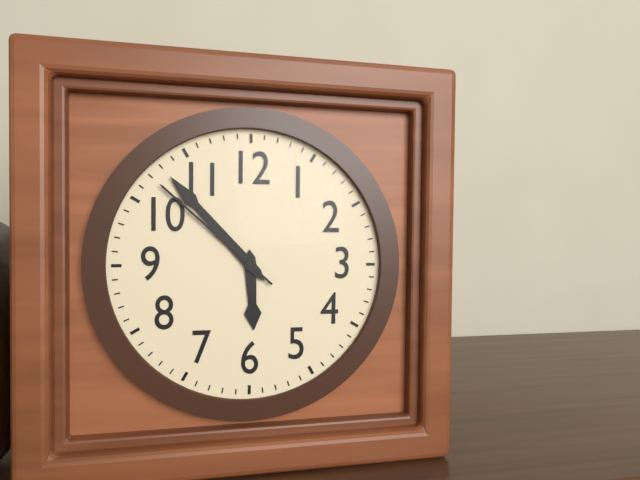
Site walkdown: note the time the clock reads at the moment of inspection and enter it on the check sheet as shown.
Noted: 5:53:52
